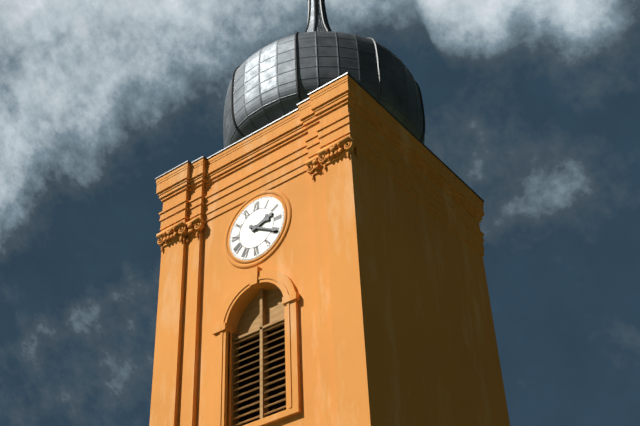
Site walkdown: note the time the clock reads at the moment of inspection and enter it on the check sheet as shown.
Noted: 2:20
